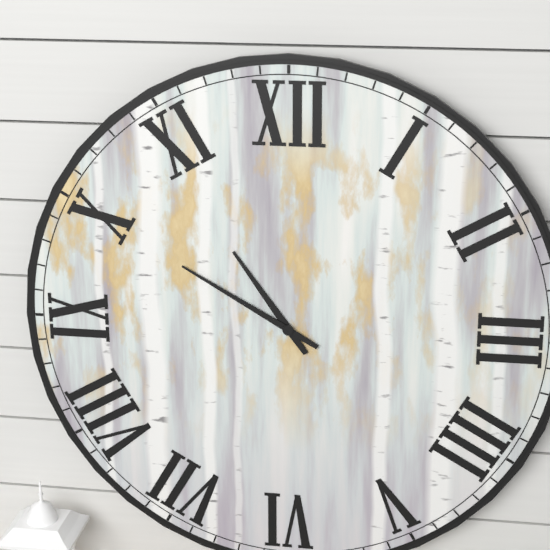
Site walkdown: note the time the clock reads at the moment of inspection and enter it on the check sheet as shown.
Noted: 10:50
